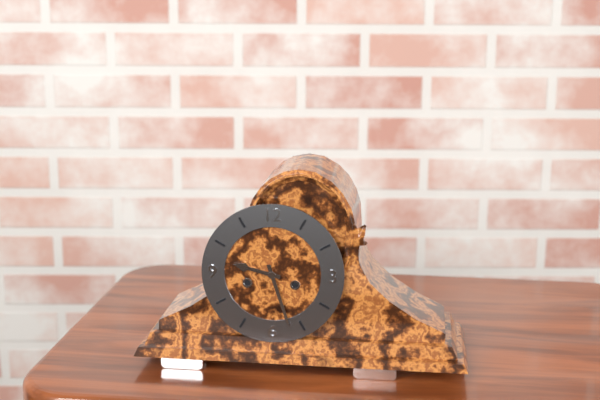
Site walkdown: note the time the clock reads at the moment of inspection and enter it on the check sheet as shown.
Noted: 9:27
